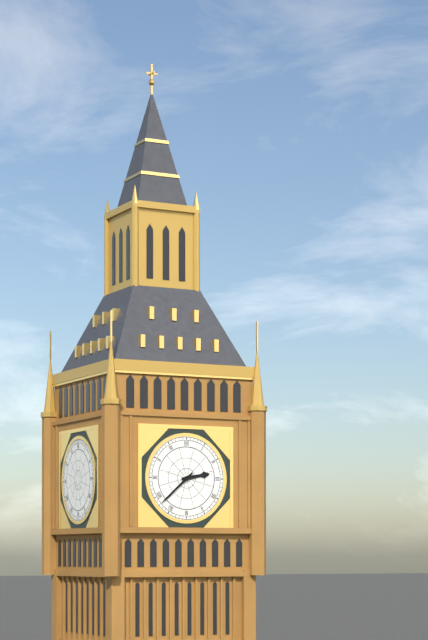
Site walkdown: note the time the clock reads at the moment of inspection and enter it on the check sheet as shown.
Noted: 2:38
